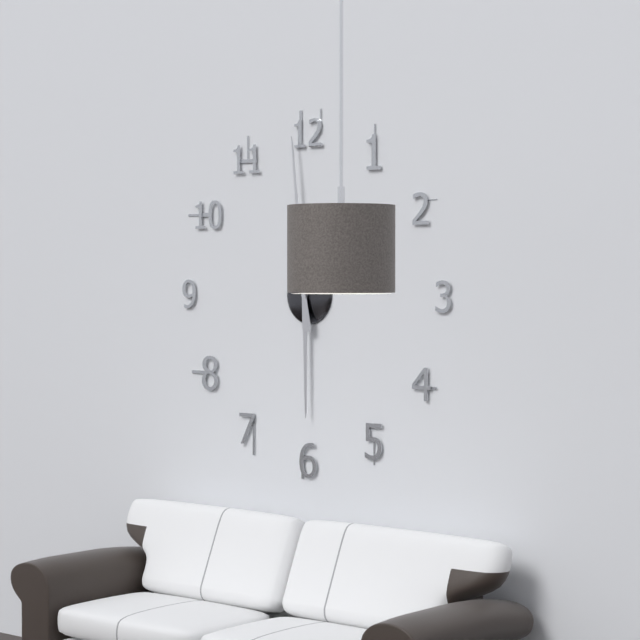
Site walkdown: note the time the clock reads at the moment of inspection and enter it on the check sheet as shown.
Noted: 5:59
